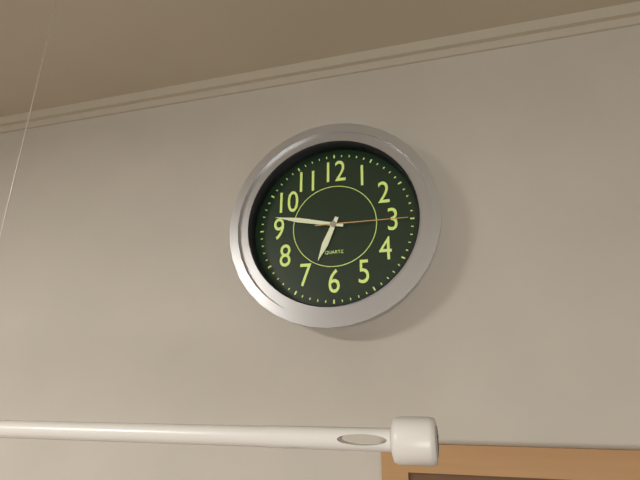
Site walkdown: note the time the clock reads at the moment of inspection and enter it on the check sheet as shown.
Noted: 6:47:15
